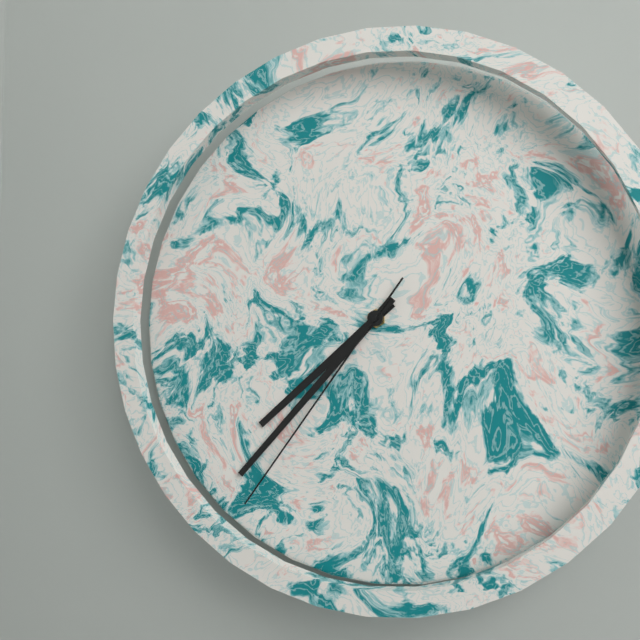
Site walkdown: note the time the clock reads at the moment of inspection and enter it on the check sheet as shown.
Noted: 7:37:36
